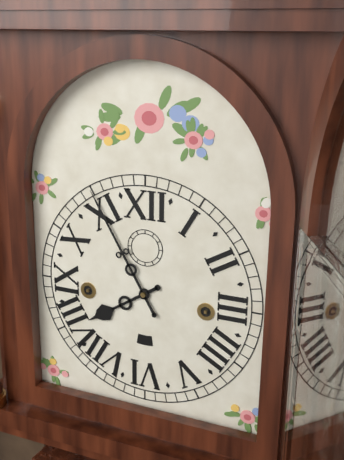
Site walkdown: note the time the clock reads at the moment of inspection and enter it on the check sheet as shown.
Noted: 7:55
